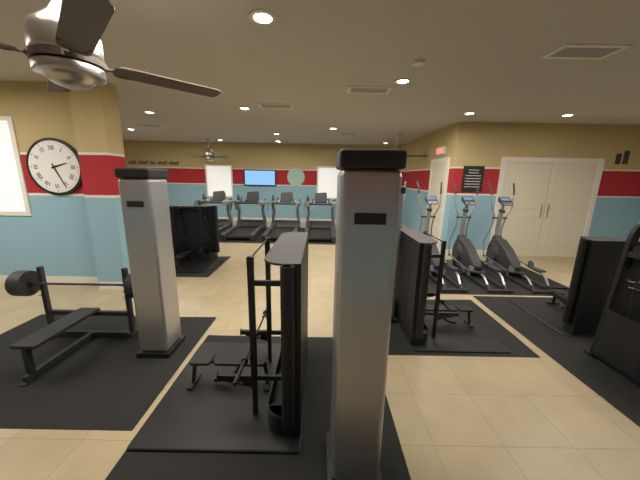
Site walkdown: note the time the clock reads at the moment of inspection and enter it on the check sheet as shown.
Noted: 2:26
